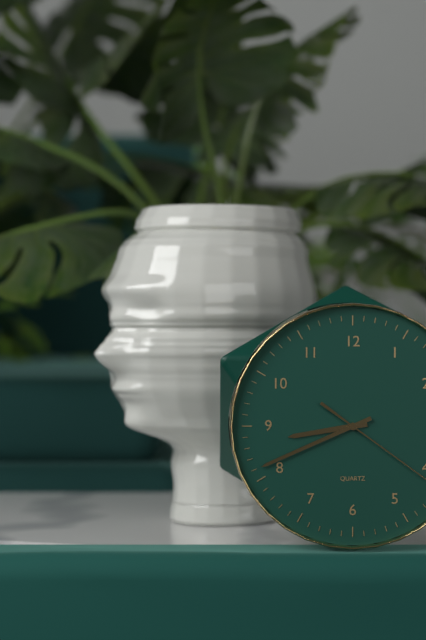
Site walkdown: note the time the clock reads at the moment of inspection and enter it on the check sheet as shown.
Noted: 8:41
